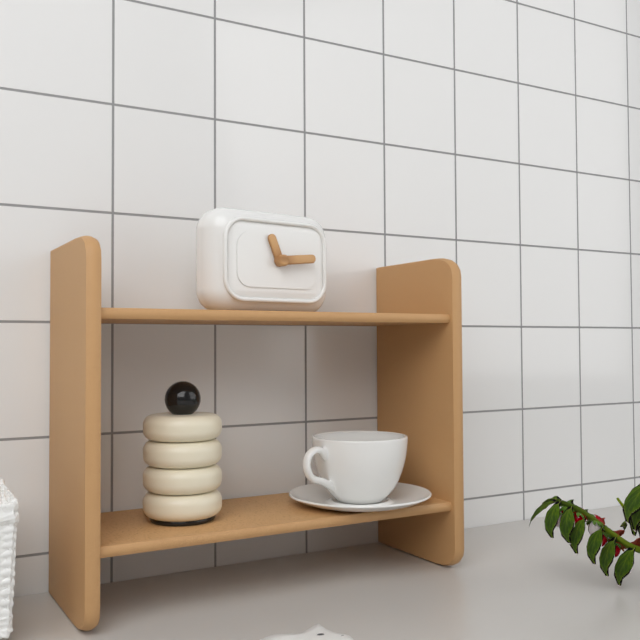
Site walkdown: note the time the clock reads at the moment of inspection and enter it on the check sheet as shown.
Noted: 11:14
